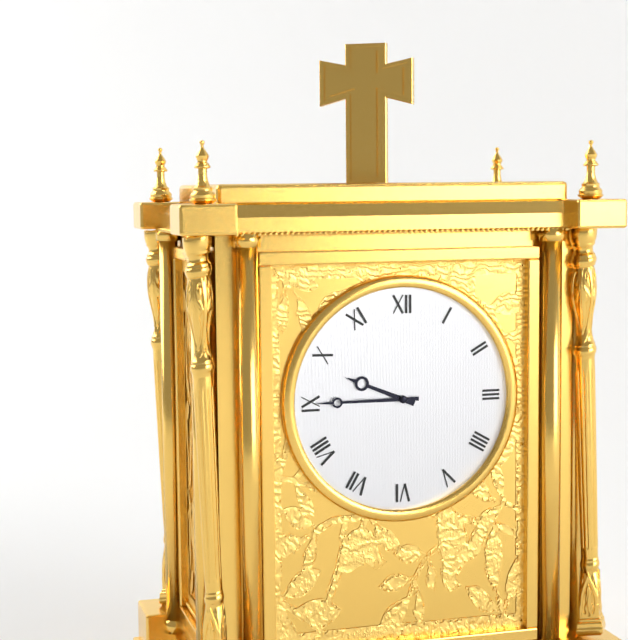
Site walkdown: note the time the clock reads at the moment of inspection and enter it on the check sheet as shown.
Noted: 9:45
